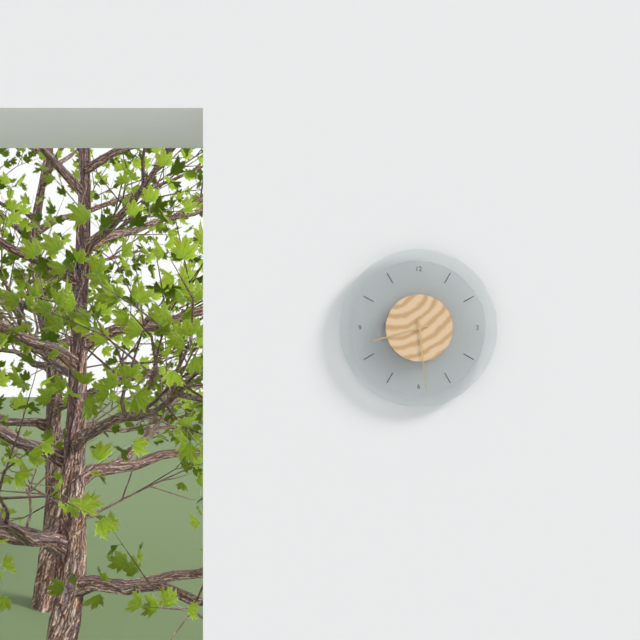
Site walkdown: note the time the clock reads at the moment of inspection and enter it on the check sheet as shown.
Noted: 8:29
